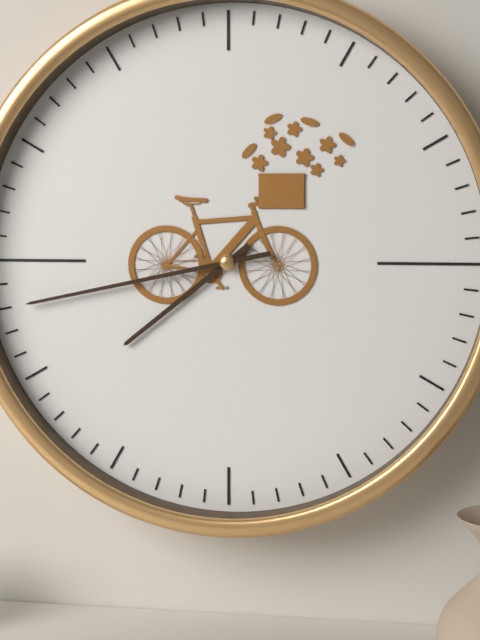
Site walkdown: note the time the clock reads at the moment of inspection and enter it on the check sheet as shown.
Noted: 7:43
